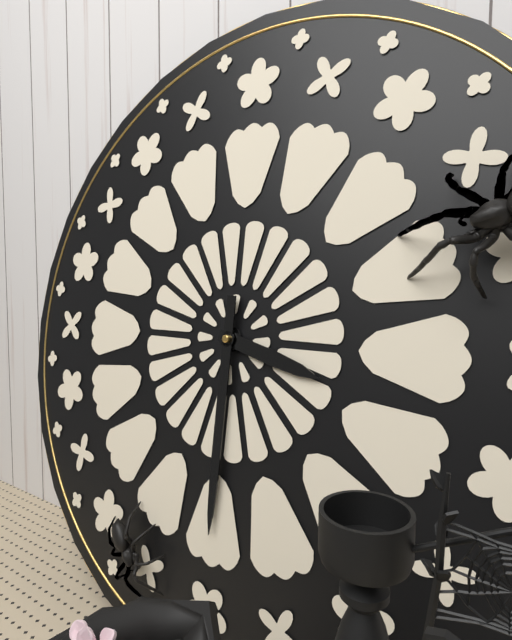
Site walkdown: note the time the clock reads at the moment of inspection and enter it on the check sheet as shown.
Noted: 3:30
